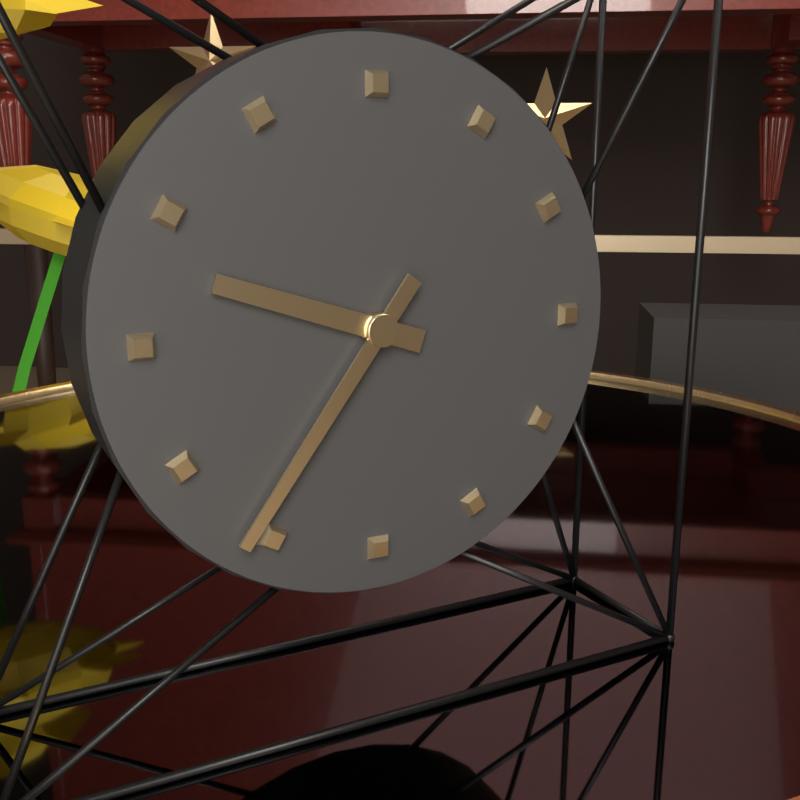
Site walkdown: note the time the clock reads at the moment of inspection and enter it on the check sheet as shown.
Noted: 9:36
